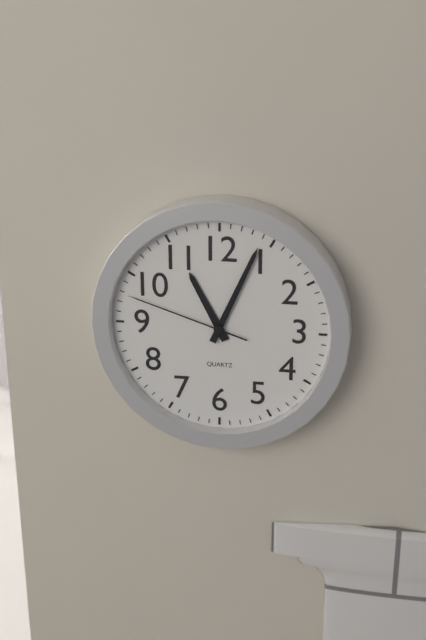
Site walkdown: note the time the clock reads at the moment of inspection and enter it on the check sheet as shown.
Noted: 11:04:48
